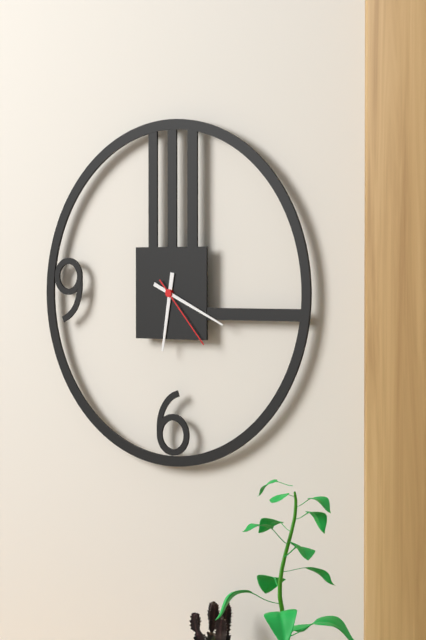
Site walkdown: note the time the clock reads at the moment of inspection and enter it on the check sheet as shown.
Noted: 6:19:23
